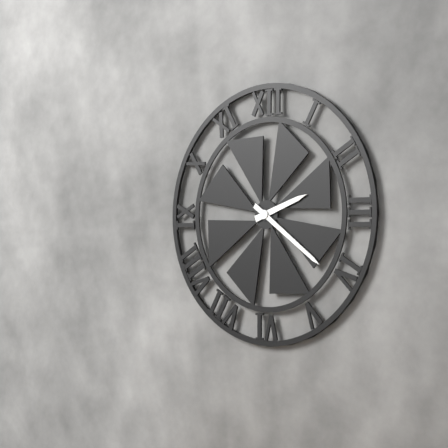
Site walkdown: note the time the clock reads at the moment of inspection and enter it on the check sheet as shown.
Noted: 2:21
